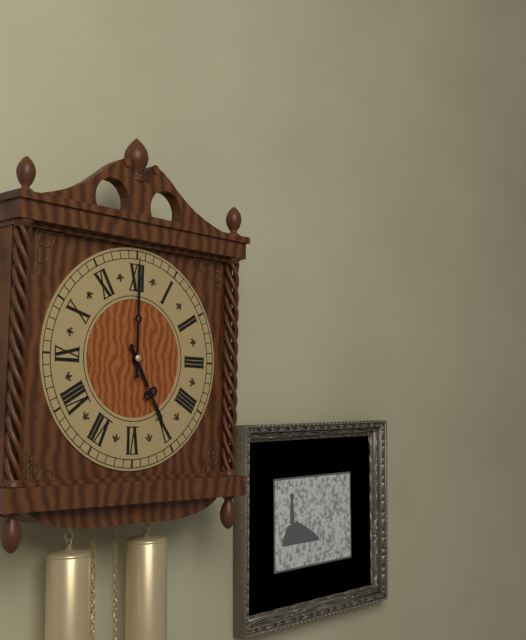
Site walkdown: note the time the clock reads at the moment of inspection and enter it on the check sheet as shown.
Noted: 5:00
